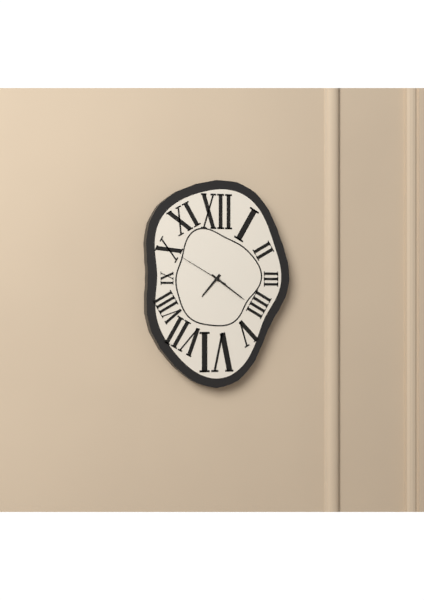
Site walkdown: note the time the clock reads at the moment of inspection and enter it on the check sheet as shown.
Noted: 7:21
